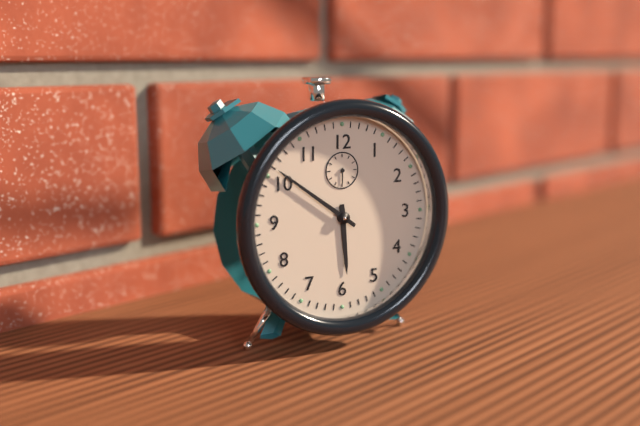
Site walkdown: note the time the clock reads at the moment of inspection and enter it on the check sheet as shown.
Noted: 5:51
